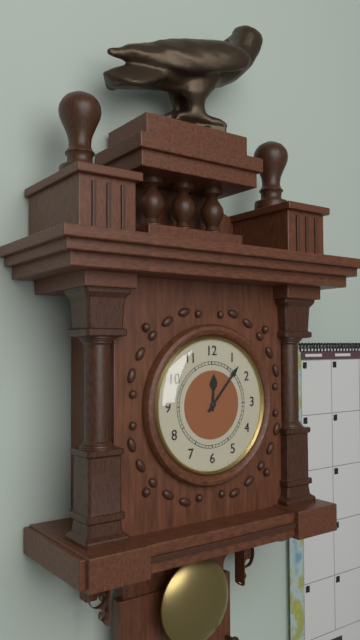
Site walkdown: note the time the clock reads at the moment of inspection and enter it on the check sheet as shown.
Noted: 12:07
